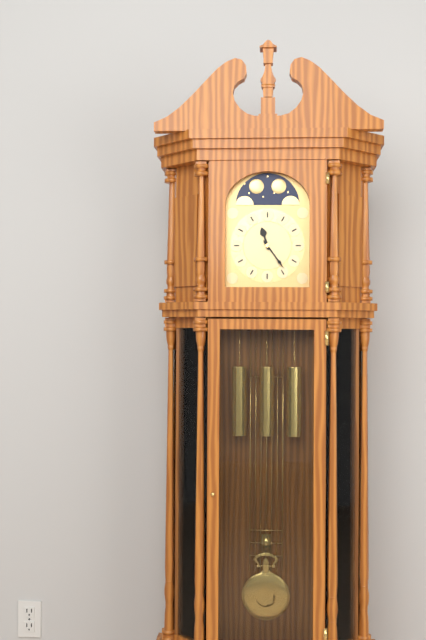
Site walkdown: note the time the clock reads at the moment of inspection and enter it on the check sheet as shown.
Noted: 11:24
